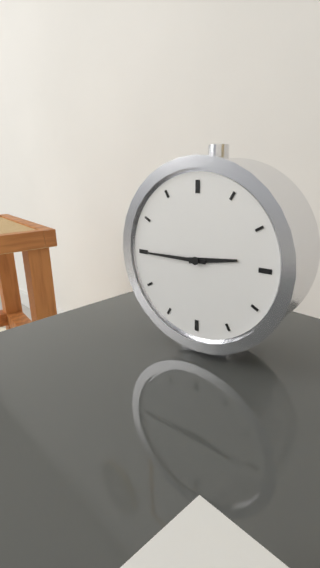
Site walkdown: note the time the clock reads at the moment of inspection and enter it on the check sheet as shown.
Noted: 2:45
